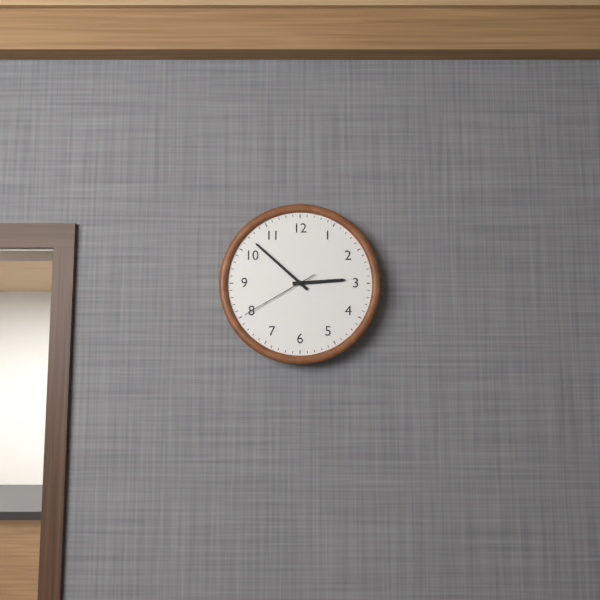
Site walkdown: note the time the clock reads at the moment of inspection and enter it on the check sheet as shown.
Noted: 2:52:40
